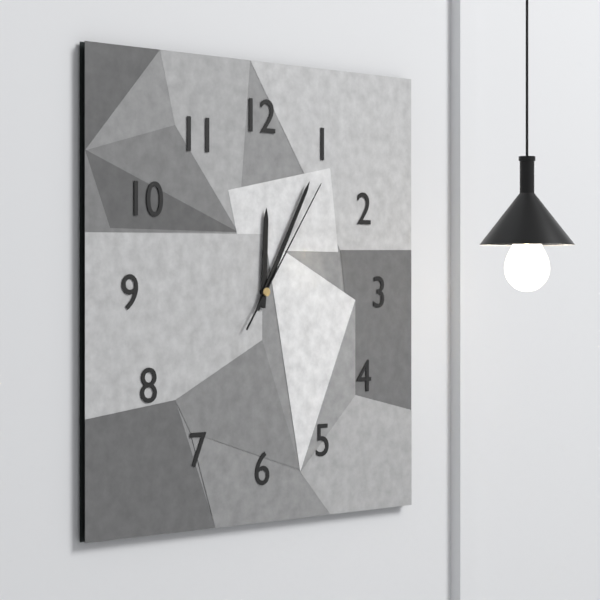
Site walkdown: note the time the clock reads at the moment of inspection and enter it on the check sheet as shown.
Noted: 12:05:06
